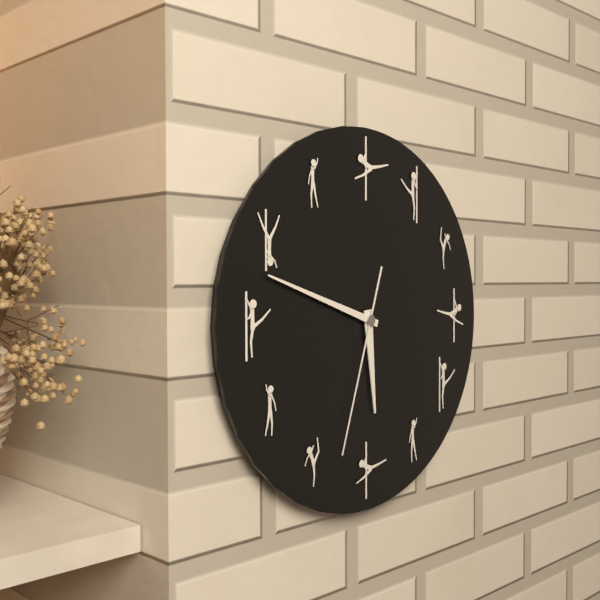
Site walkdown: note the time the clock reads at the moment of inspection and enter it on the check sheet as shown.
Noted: 5:48:33
